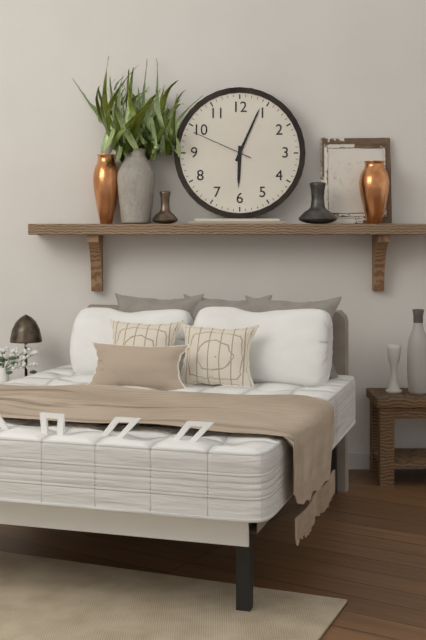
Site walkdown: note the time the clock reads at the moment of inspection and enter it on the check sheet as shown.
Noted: 6:04:49
